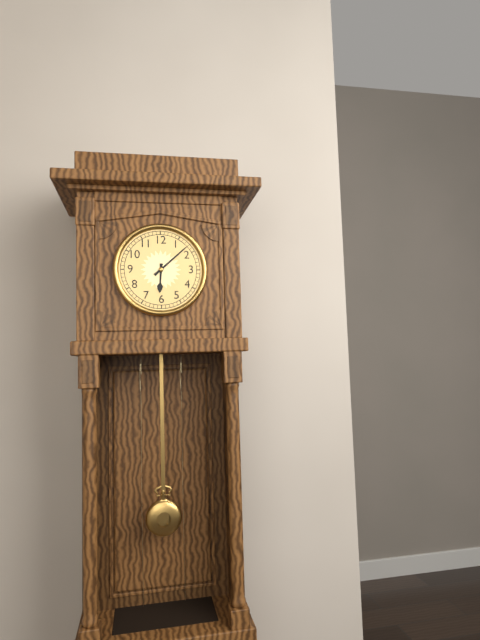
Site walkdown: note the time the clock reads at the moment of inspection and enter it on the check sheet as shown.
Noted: 6:08
